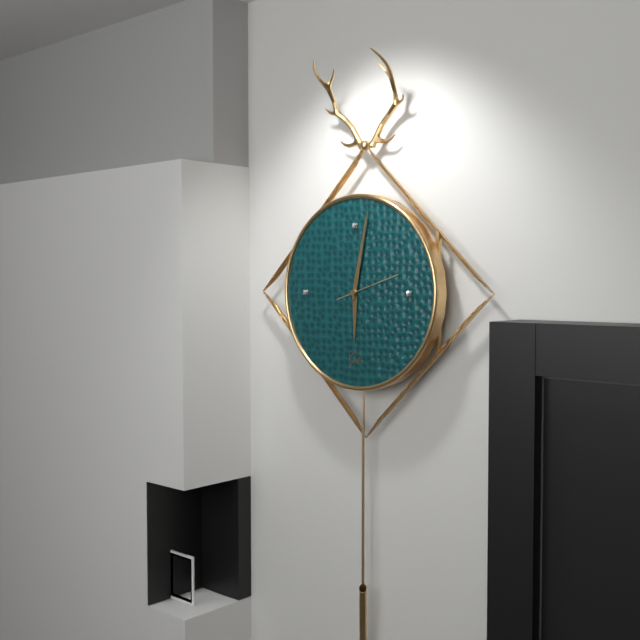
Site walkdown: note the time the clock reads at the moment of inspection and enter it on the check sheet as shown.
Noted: 6:02:12
